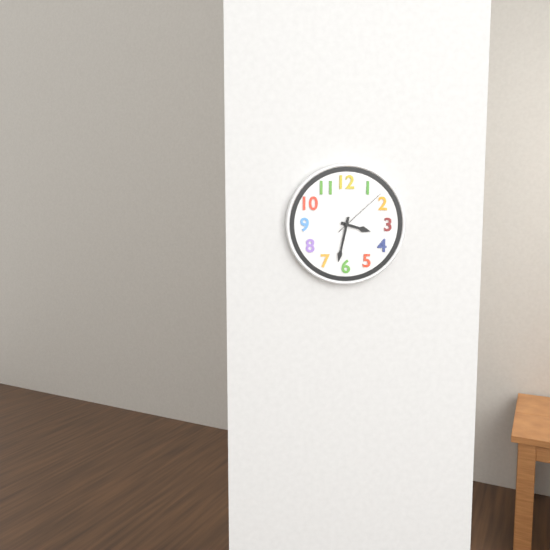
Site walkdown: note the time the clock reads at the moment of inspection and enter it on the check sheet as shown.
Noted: 3:32:08
